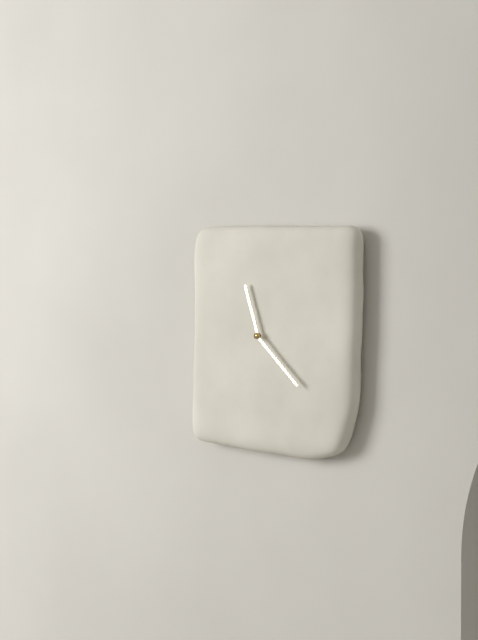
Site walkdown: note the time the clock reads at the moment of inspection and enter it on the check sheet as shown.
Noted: 11:22
